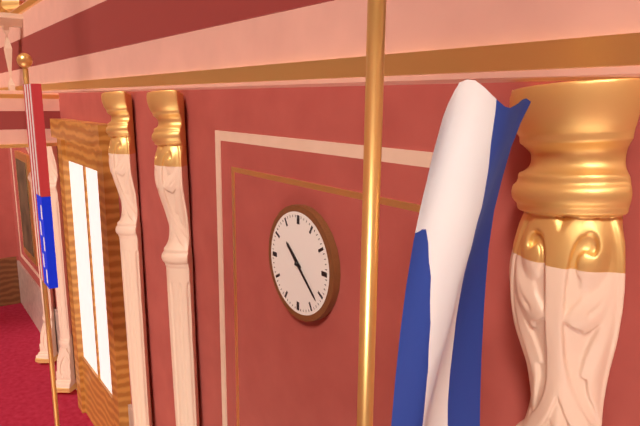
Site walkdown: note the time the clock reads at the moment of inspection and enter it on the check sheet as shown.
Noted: 10:22
